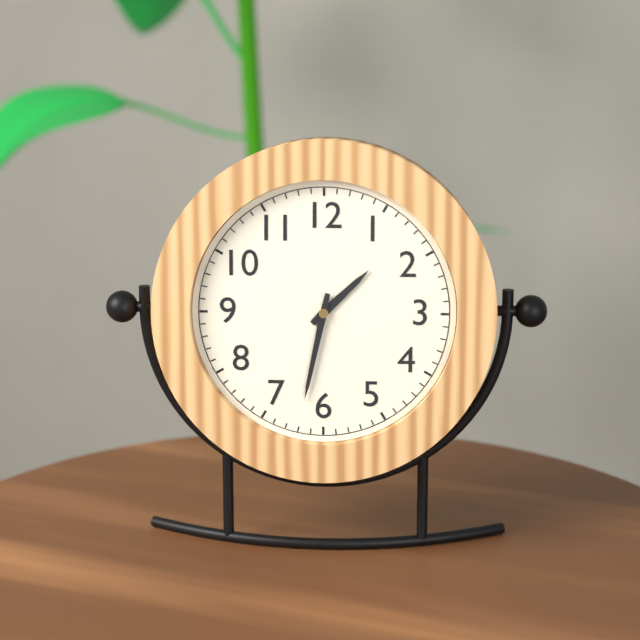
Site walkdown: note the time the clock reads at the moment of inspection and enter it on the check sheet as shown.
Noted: 1:32
